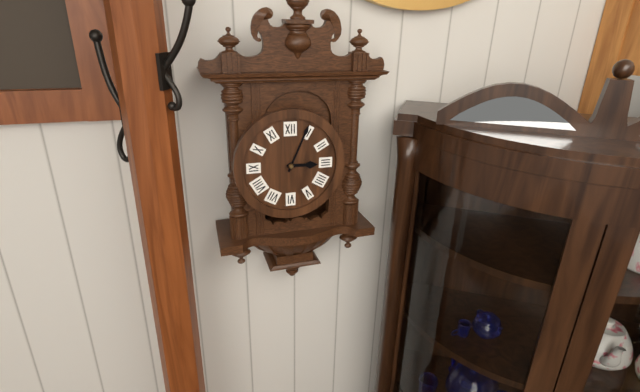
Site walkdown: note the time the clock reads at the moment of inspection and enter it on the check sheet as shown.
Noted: 3:04
